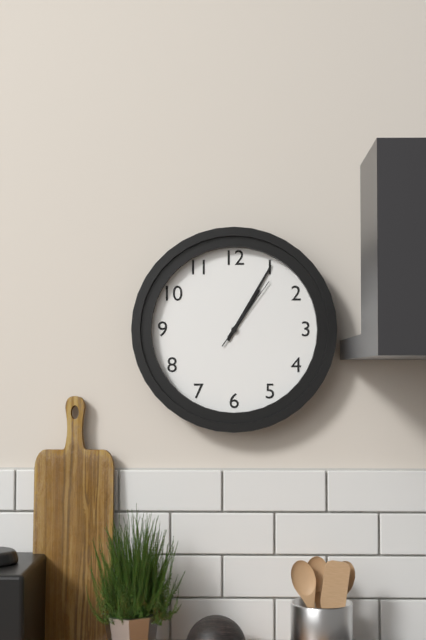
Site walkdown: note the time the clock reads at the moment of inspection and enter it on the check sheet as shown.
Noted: 1:05:06
